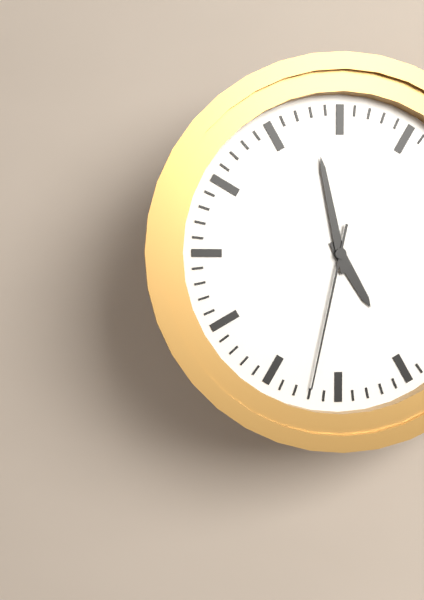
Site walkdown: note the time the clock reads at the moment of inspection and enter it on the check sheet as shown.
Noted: 4:58:32
